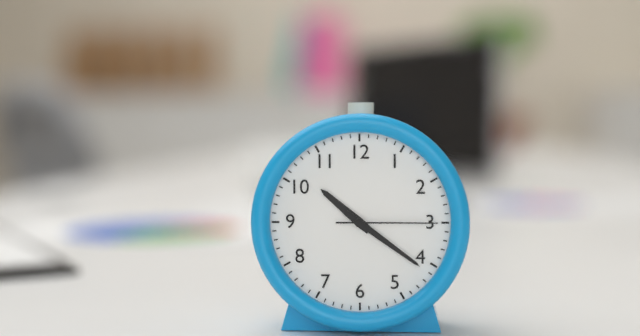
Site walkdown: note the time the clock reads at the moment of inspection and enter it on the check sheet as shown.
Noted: 10:21:15
